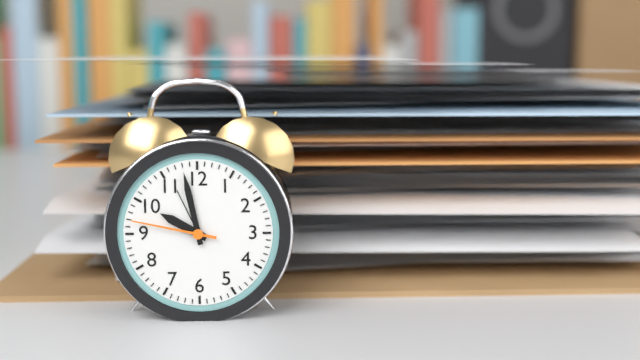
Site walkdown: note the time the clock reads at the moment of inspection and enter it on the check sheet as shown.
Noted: 9:58:47
